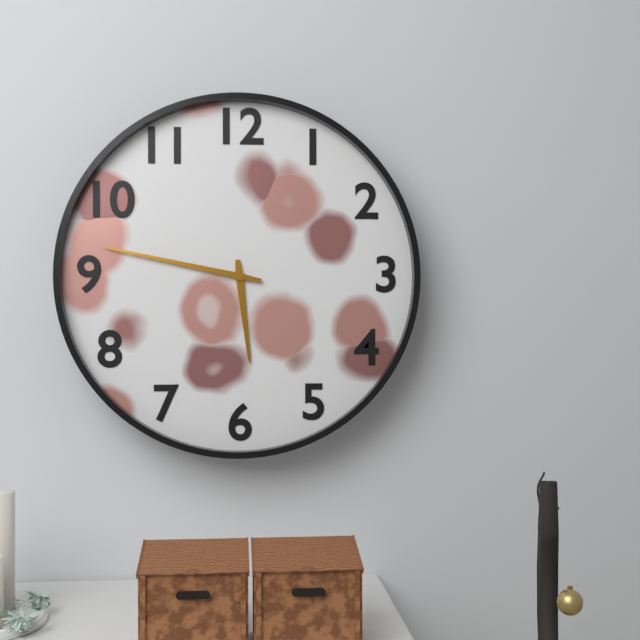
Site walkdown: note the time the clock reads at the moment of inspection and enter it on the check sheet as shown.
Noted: 5:47
